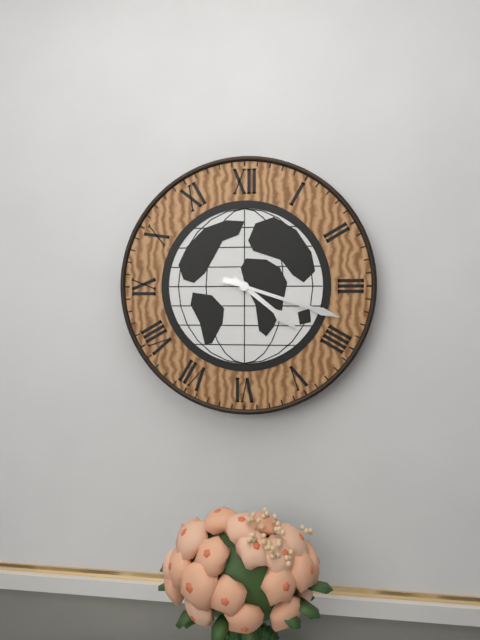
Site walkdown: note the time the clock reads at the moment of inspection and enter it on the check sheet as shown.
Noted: 4:18
